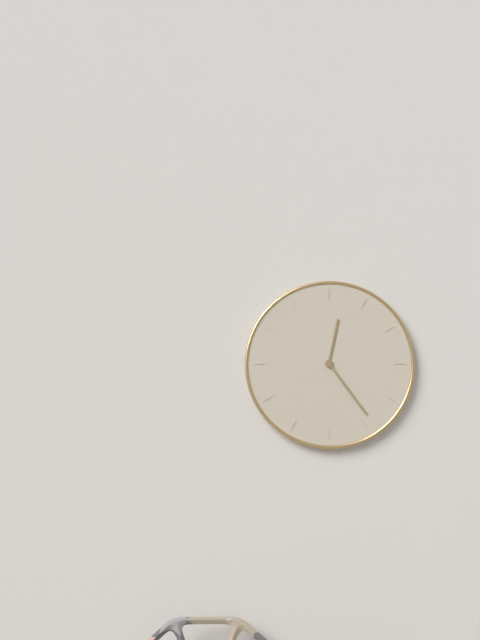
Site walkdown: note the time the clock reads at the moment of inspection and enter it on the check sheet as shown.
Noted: 12:24
